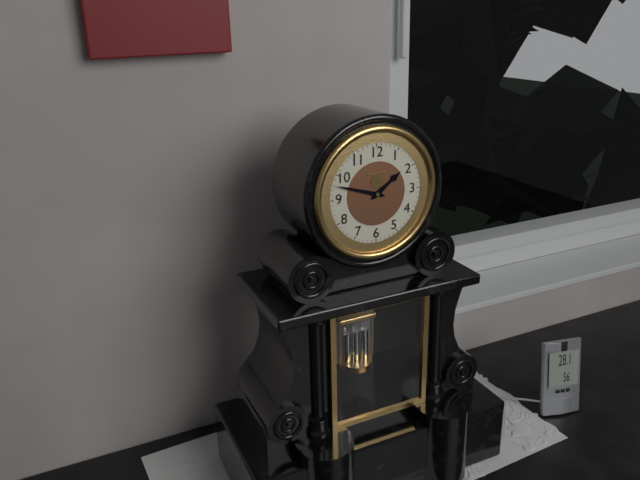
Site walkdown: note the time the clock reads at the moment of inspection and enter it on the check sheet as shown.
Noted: 1:48
